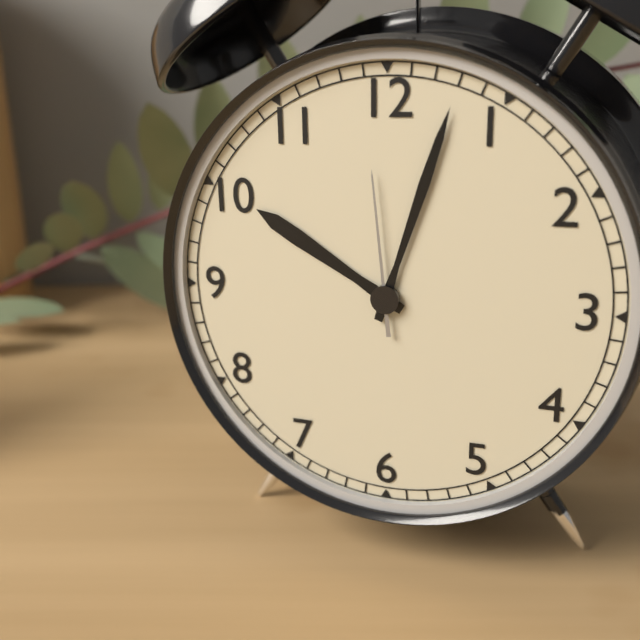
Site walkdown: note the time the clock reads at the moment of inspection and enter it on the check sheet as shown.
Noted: 10:03:59
